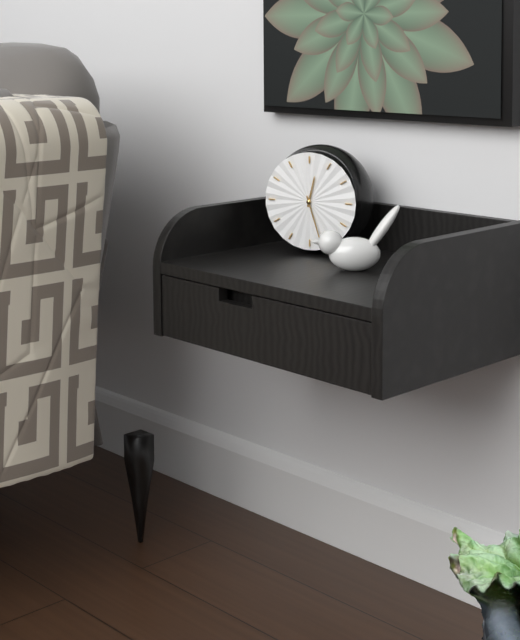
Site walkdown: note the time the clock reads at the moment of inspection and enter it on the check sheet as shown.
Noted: 12:27
